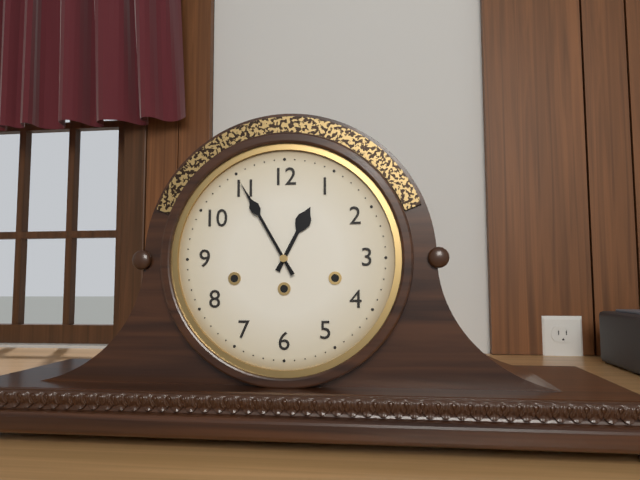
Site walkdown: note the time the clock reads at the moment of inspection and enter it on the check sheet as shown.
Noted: 12:55
